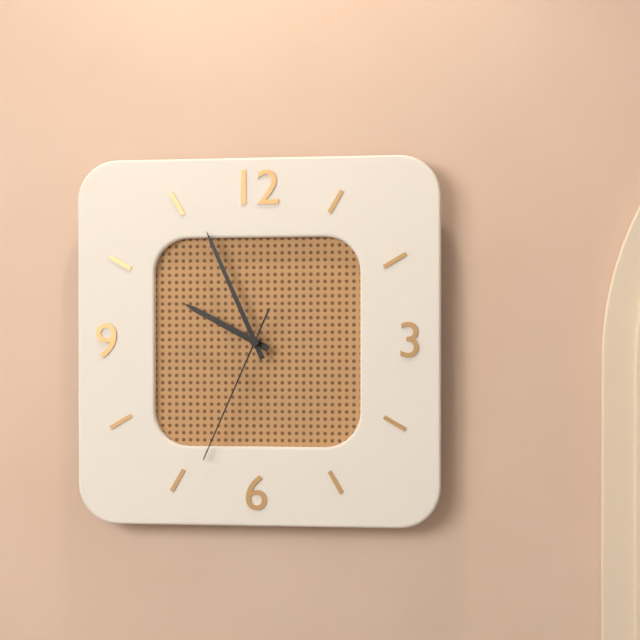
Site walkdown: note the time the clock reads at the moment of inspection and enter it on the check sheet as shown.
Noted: 9:56:34
